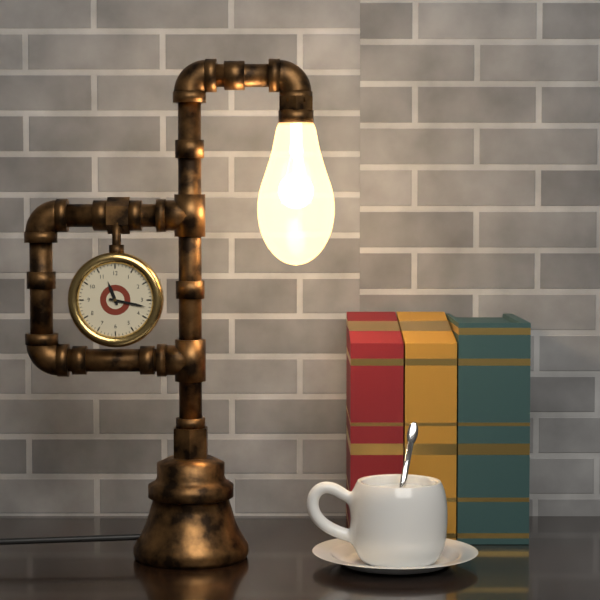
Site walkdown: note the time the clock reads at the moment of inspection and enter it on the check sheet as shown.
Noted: 11:17
